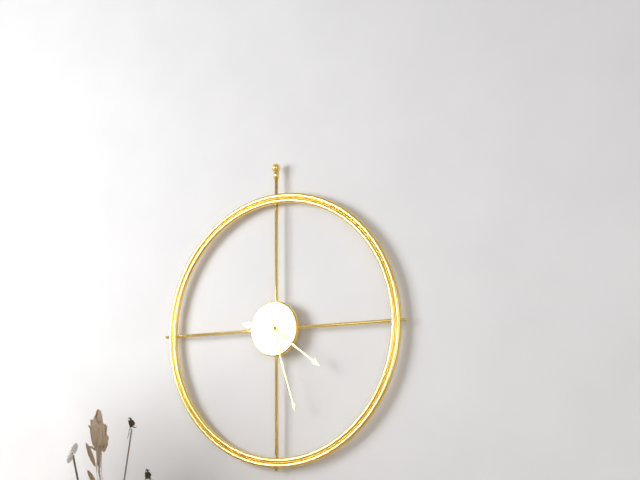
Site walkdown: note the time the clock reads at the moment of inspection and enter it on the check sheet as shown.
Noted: 9:21:27
